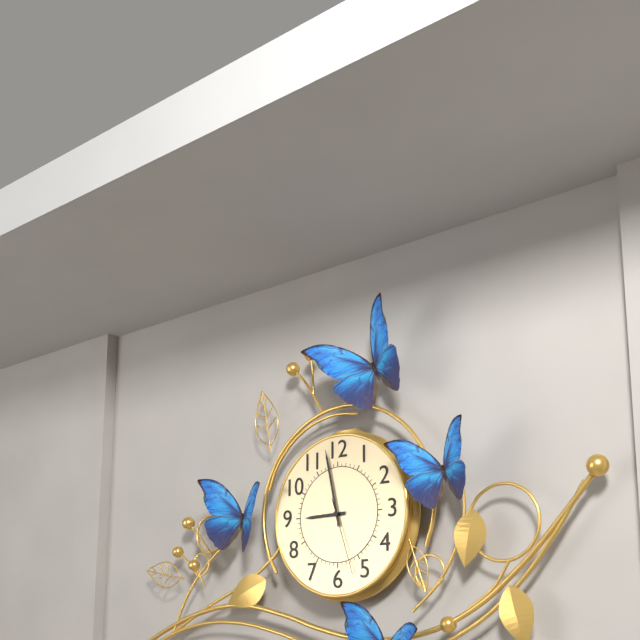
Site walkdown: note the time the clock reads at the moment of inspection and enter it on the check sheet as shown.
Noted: 8:58:27
